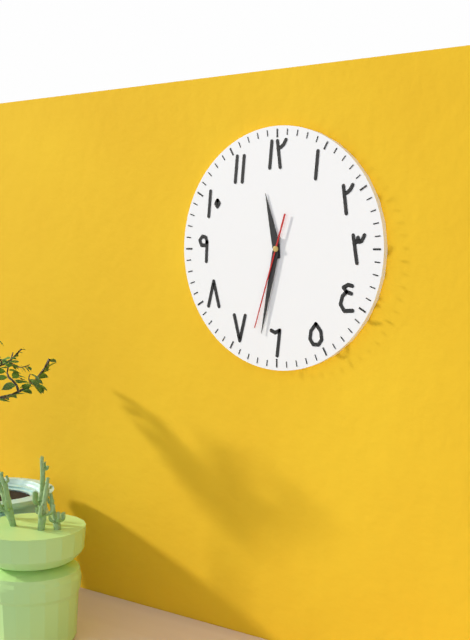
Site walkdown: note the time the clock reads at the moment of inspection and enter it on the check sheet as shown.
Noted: 11:32:33
